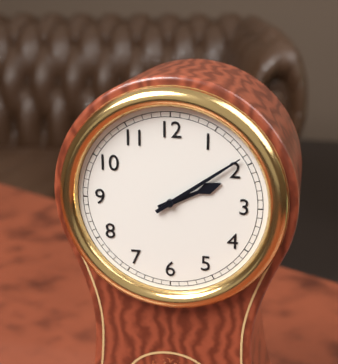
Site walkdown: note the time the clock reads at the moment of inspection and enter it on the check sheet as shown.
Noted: 2:09
